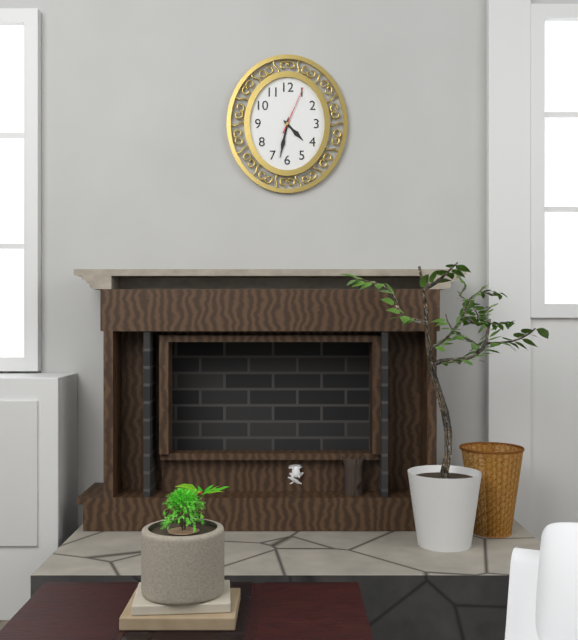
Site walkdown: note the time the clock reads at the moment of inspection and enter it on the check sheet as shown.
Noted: 4:32:04
